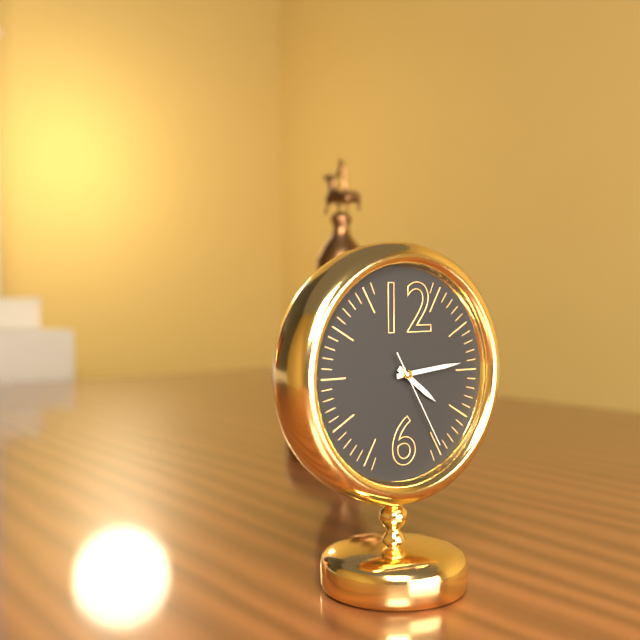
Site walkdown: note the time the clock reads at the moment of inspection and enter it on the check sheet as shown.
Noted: 4:14:25
